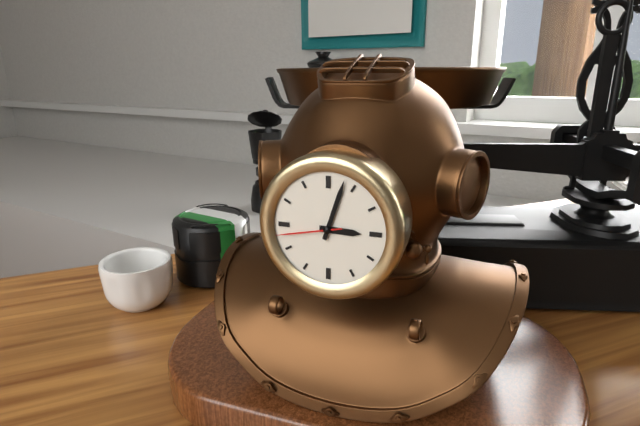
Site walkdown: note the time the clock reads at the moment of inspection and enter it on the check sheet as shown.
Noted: 3:03:43
